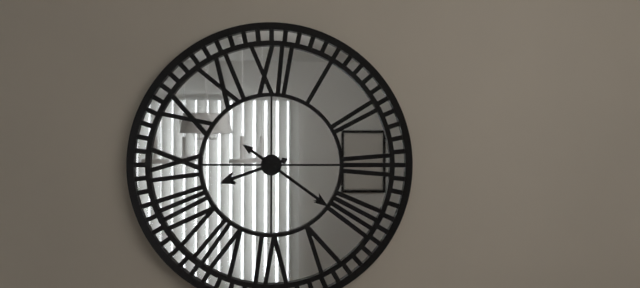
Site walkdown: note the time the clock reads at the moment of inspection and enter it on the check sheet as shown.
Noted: 8:21
